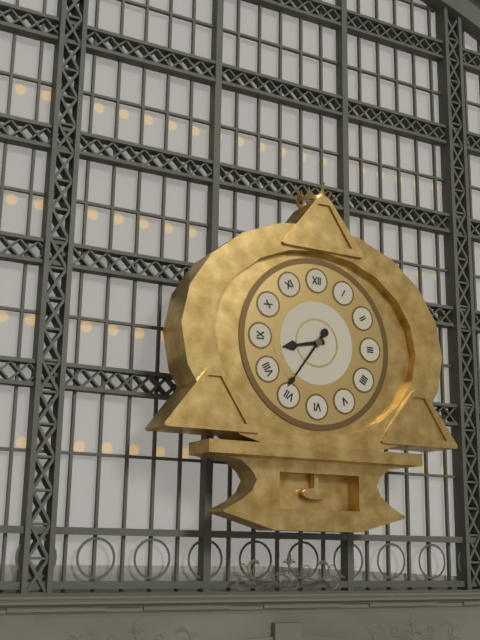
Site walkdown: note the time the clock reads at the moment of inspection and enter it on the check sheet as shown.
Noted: 8:36
